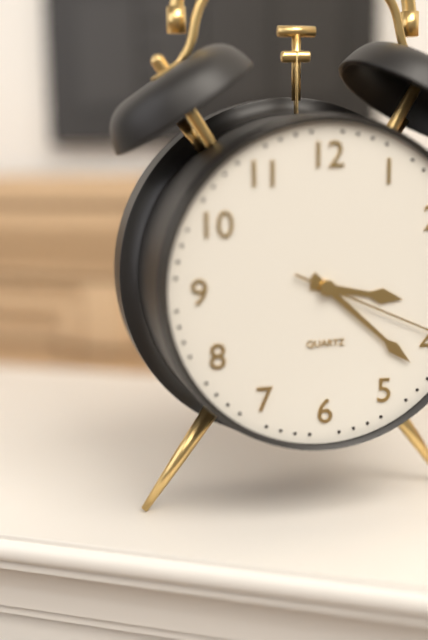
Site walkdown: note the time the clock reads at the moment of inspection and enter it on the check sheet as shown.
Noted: 3:22
